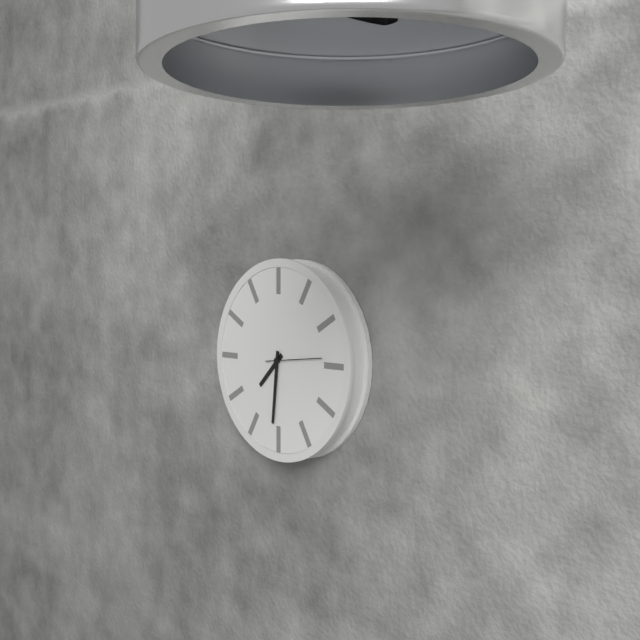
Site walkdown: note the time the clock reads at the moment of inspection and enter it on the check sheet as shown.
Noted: 7:31
